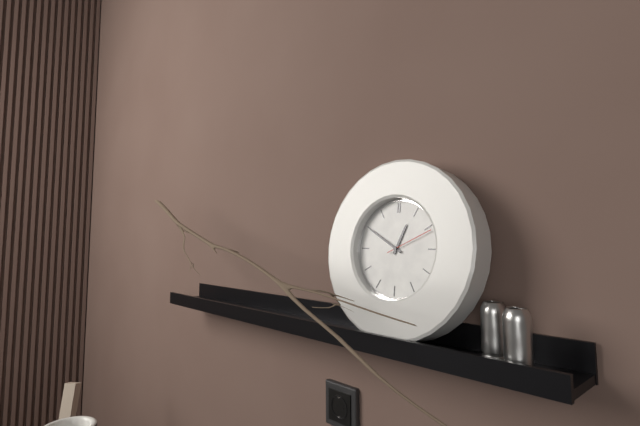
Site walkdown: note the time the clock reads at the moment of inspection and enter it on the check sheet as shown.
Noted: 12:50:11
